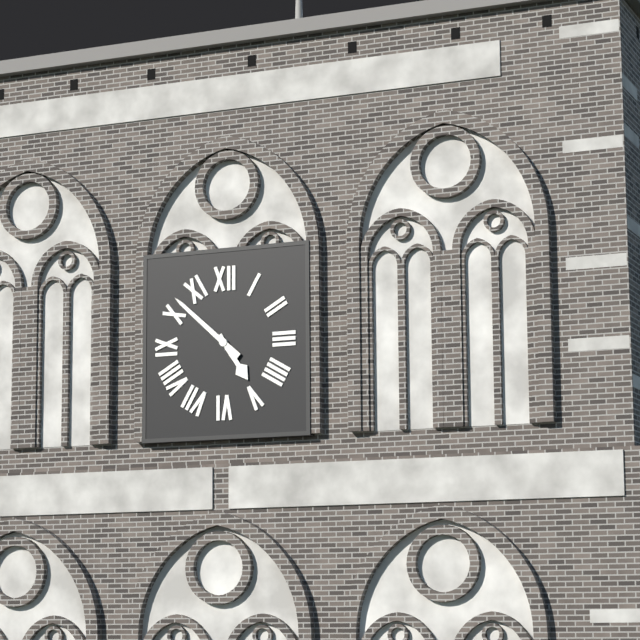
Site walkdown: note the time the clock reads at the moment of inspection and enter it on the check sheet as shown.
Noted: 4:52
